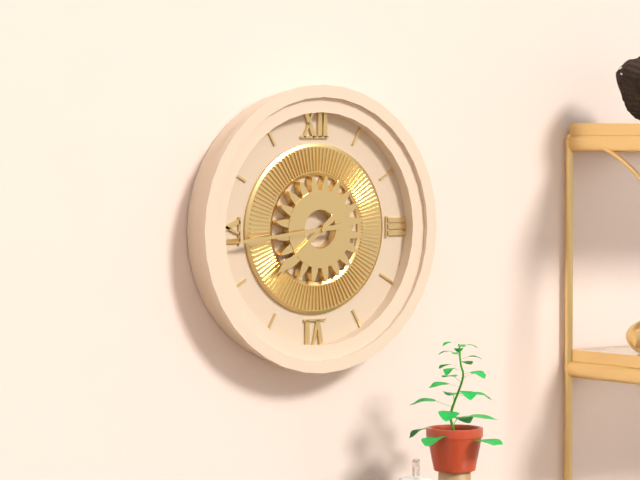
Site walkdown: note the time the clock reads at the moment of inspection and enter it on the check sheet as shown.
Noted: 7:44
